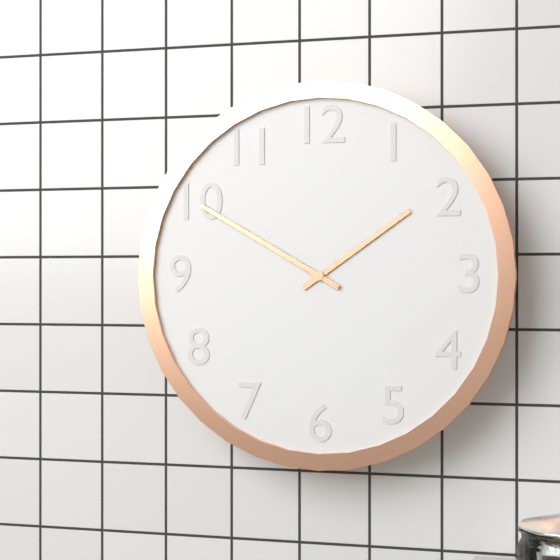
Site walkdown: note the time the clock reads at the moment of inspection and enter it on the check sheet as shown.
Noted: 1:50
